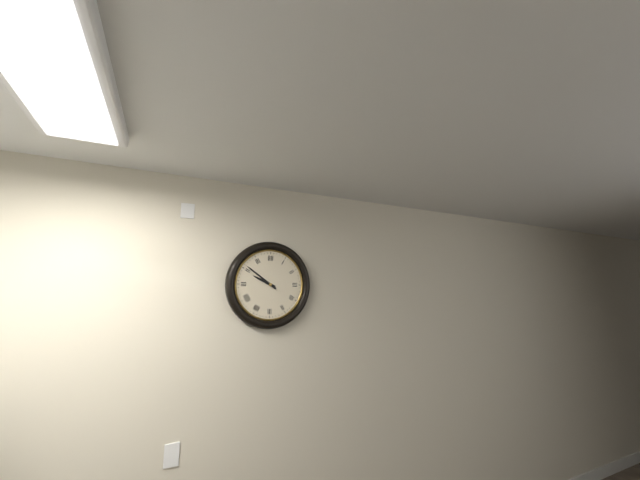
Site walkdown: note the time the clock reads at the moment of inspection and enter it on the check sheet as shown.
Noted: 9:51
